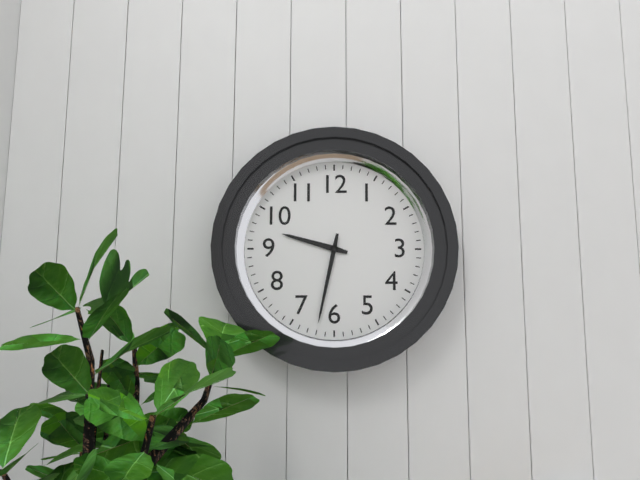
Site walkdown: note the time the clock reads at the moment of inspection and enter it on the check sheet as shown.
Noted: 9:32
